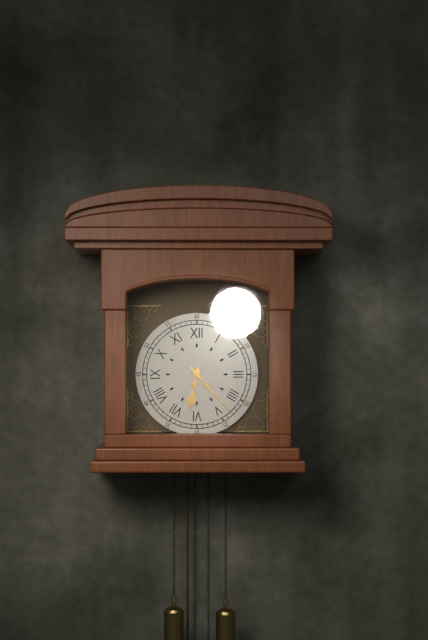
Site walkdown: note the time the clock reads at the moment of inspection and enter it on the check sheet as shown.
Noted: 6:23
